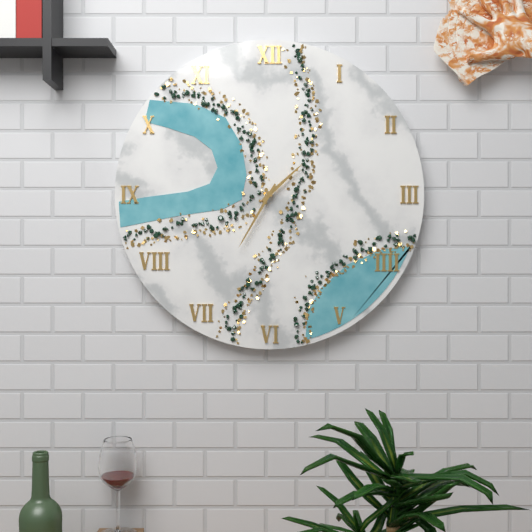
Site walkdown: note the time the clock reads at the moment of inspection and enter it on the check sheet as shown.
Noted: 1:35
